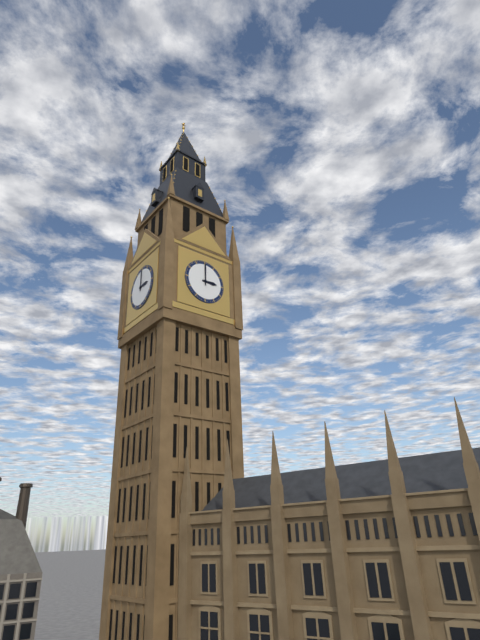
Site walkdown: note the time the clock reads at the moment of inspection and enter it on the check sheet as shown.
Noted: 3:00
